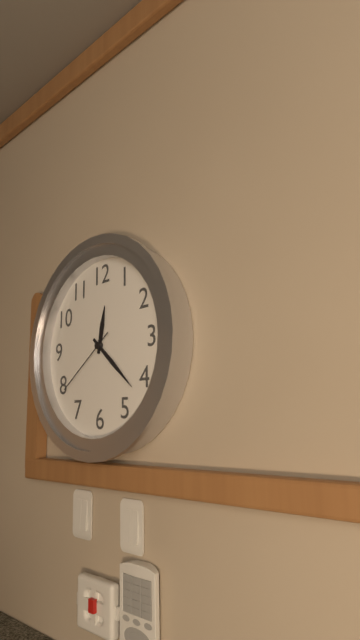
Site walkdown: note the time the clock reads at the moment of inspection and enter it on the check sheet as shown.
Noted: 12:22:39
